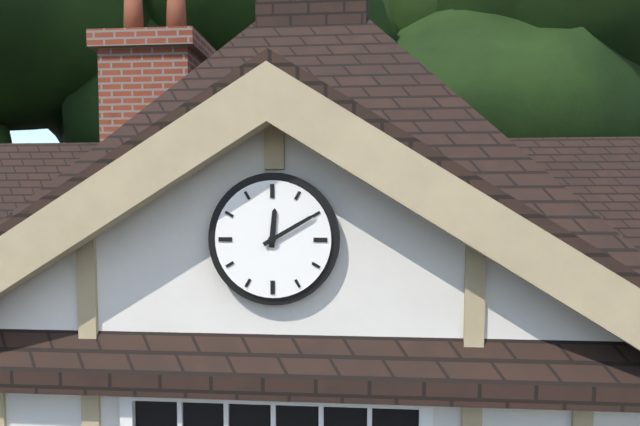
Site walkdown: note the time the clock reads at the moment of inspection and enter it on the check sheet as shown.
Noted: 12:10
